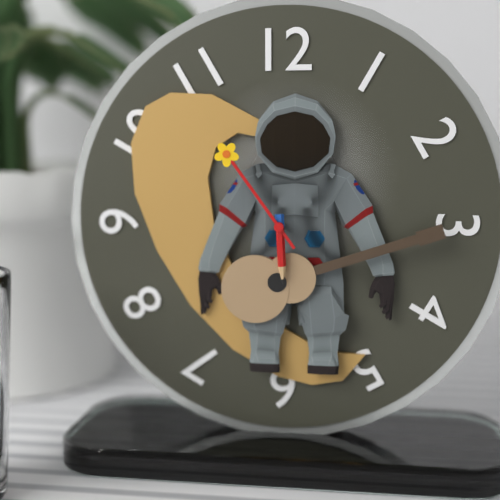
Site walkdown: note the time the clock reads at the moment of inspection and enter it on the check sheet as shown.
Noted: 5:54
